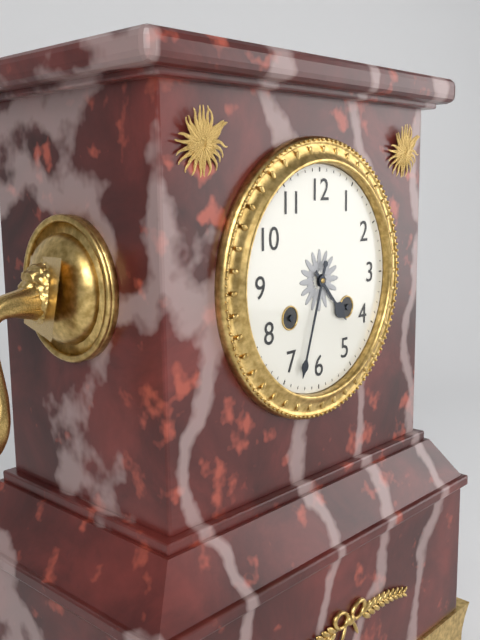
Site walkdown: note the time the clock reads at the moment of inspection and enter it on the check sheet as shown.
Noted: 4:33
